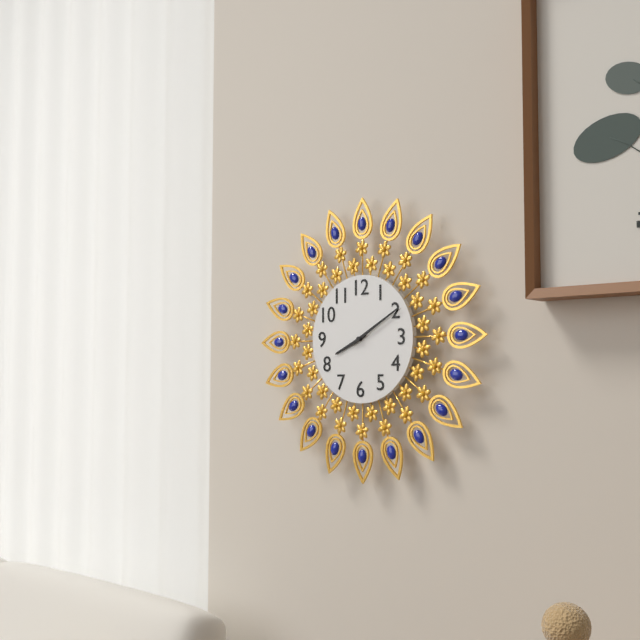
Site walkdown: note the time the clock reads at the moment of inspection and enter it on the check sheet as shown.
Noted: 8:10
